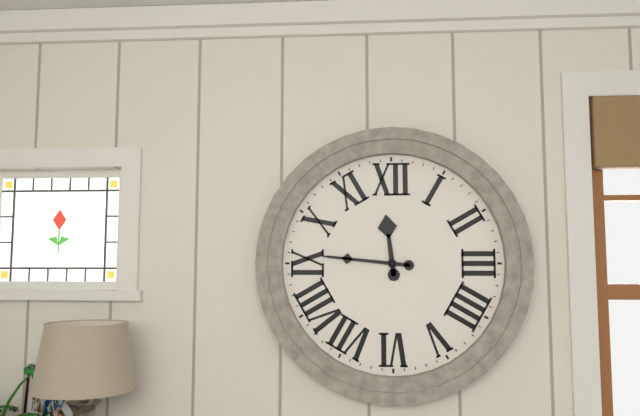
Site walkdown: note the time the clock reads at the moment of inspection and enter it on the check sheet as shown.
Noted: 11:46
